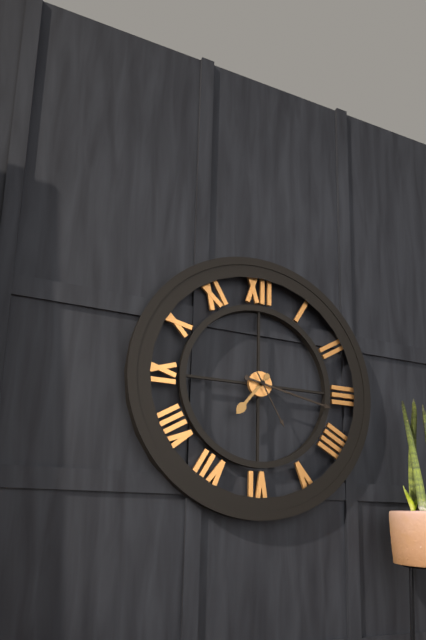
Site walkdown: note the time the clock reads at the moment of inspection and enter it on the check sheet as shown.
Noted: 7:17:25
